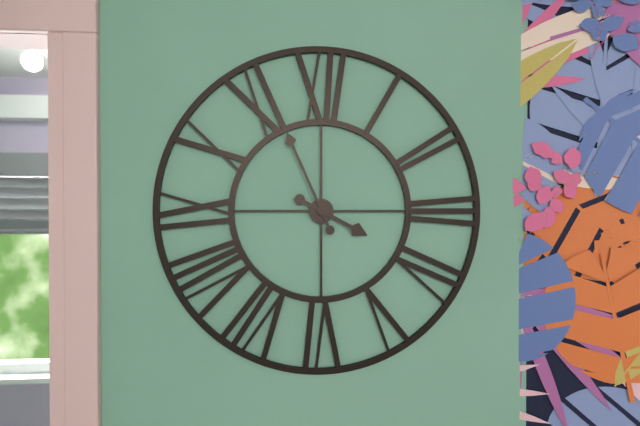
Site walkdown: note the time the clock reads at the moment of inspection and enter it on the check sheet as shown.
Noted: 3:56
